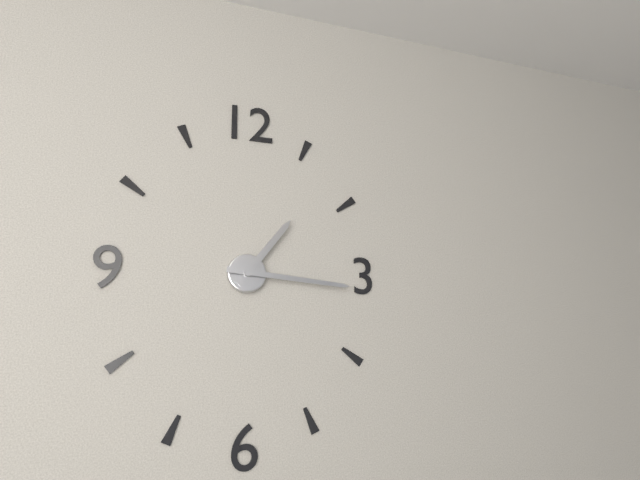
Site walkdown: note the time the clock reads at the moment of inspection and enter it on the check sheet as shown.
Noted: 1:16
